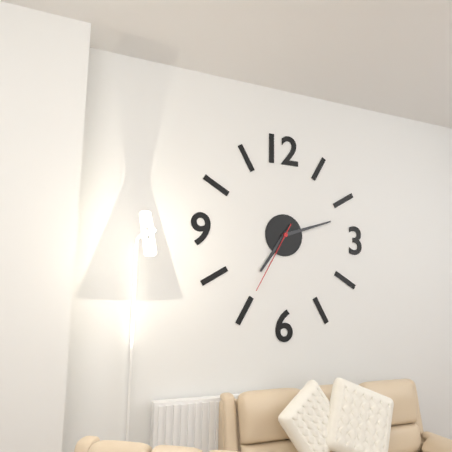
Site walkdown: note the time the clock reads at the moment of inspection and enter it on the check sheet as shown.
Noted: 7:12:35
